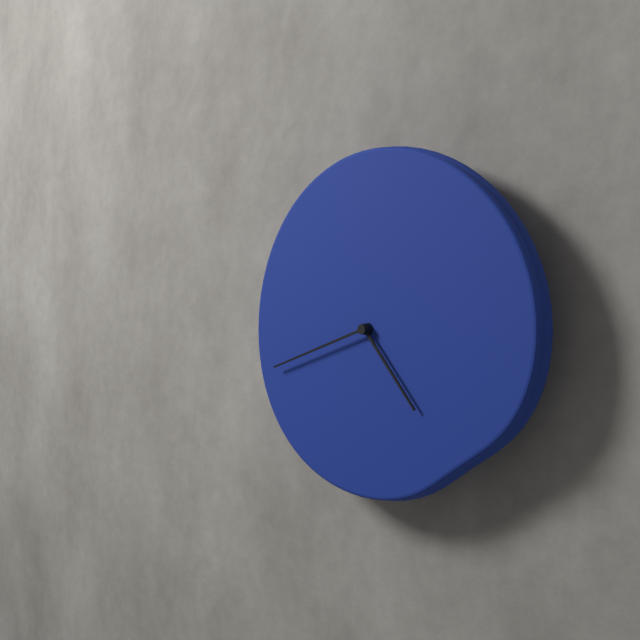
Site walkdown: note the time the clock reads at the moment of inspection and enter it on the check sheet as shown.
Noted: 4:42
